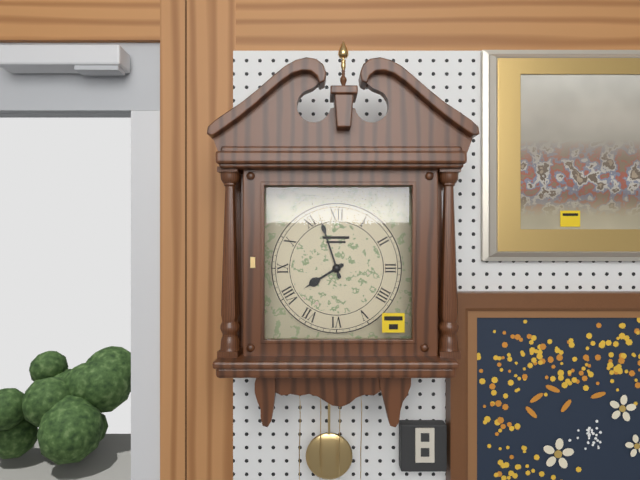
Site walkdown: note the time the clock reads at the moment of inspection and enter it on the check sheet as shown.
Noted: 7:57
